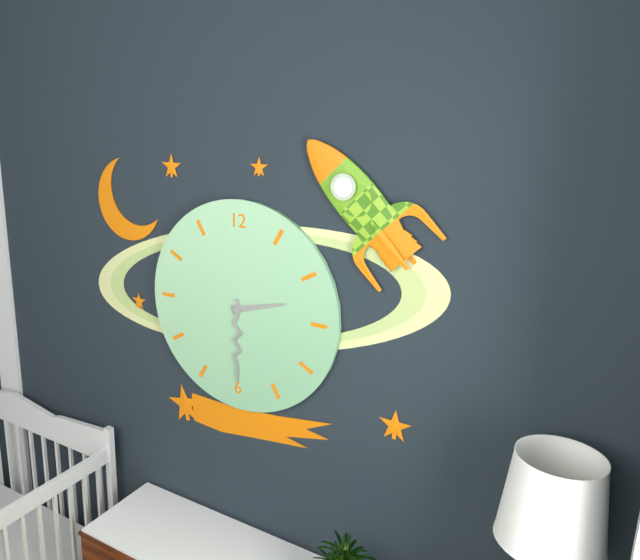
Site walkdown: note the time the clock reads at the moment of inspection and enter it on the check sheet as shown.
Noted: 2:30
